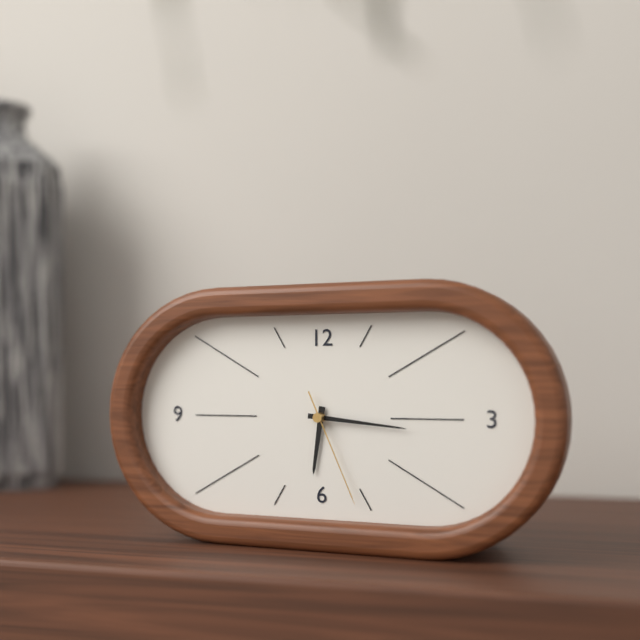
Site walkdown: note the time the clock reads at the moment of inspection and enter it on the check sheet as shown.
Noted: 6:16:26
